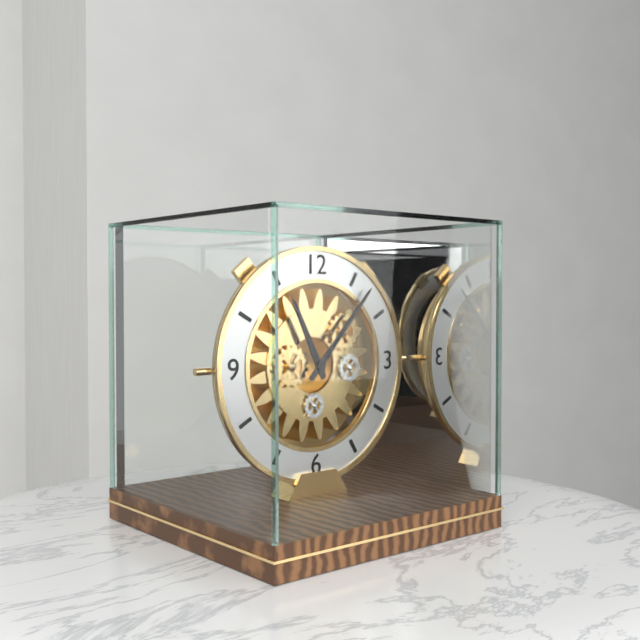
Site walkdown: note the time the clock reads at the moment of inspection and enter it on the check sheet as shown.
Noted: 11:07
